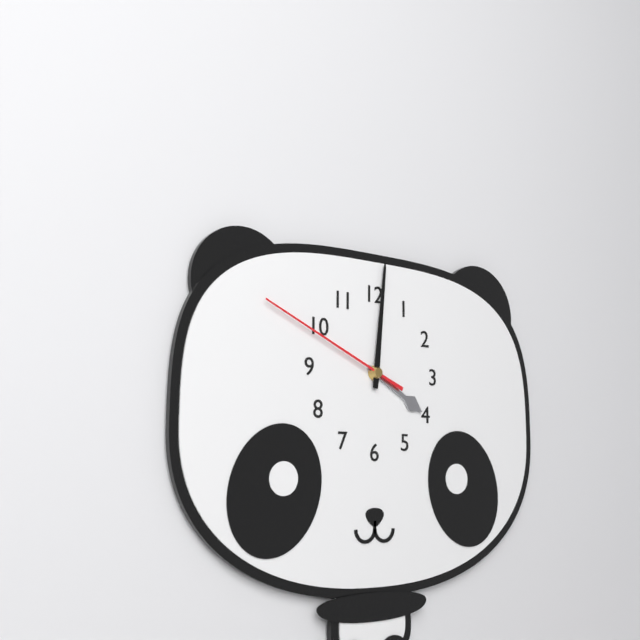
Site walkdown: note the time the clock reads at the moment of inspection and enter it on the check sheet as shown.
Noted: 4:01:49
